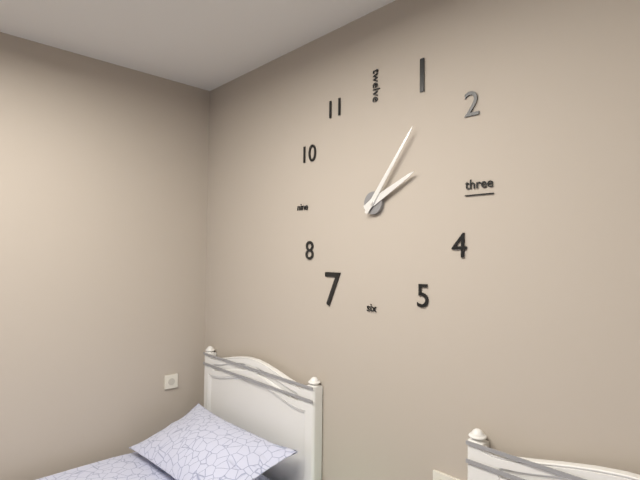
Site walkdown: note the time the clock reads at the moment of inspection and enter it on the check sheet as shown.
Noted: 2:06
